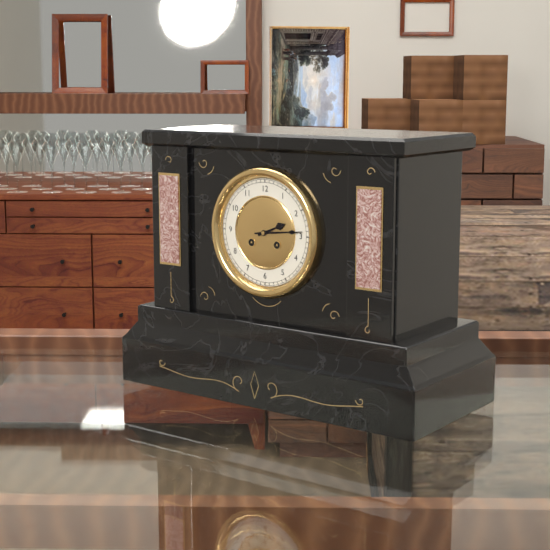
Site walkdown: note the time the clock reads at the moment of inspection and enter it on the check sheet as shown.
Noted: 2:14
